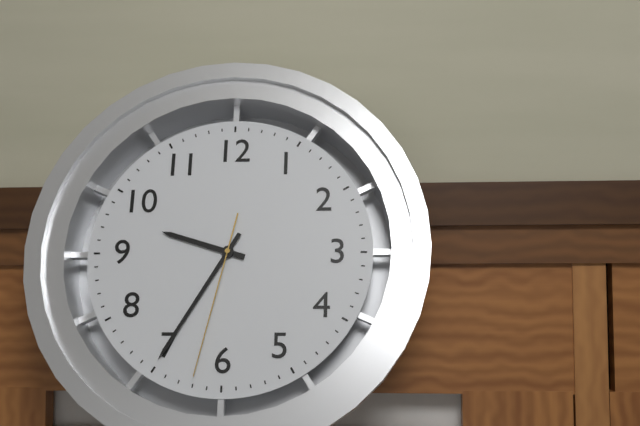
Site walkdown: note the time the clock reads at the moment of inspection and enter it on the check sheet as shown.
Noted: 9:35:32
